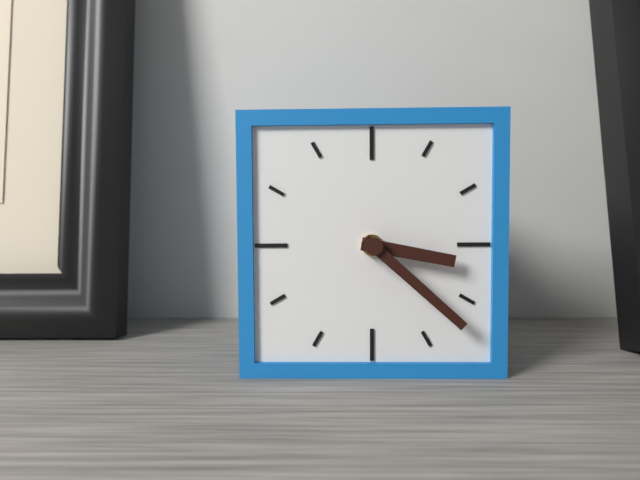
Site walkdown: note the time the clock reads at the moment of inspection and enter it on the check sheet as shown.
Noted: 3:22
